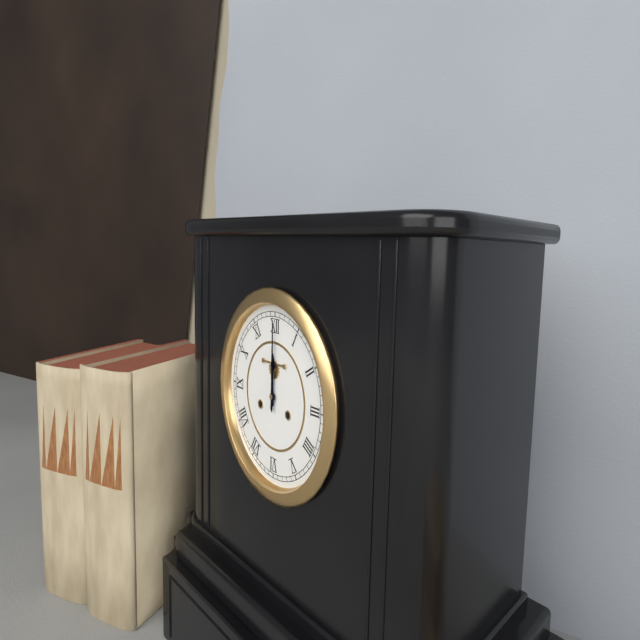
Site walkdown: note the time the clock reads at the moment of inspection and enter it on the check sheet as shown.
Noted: 12:00
